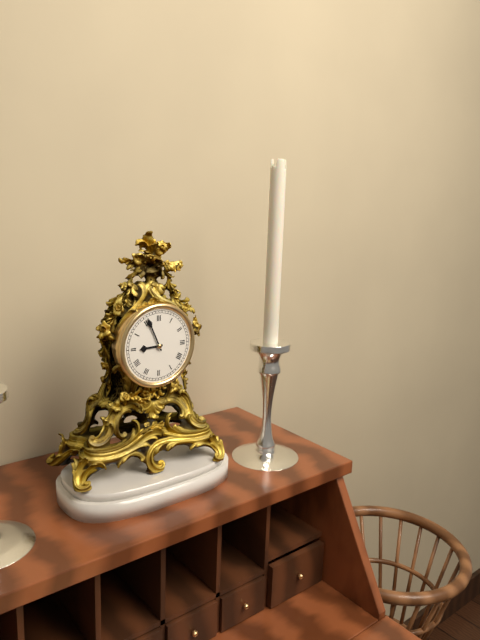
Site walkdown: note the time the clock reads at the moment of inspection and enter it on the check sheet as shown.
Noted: 8:56
